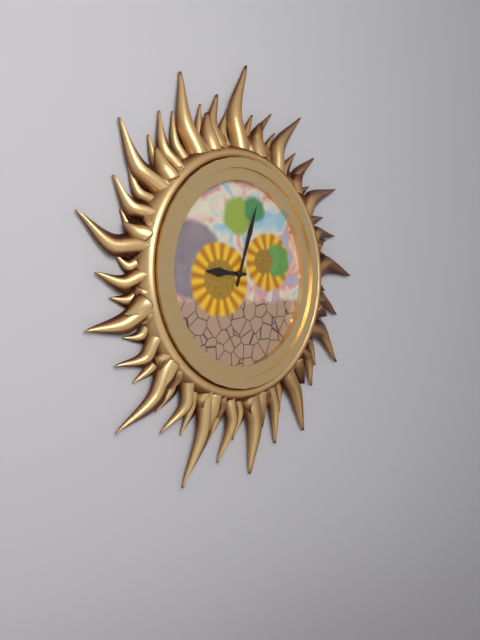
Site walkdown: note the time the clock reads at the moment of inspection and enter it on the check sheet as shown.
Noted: 9:03
